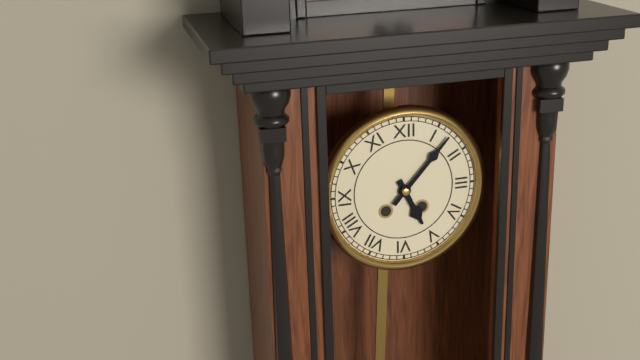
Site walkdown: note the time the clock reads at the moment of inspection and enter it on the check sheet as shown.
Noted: 5:07
